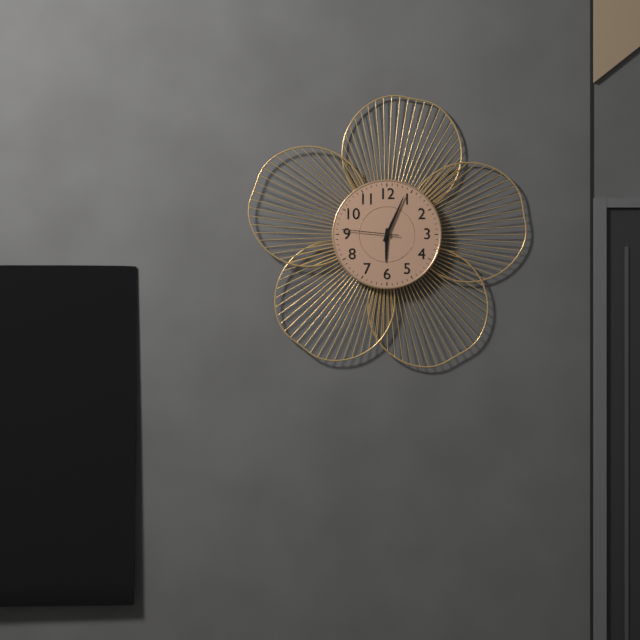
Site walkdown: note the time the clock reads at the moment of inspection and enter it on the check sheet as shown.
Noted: 6:04:46
